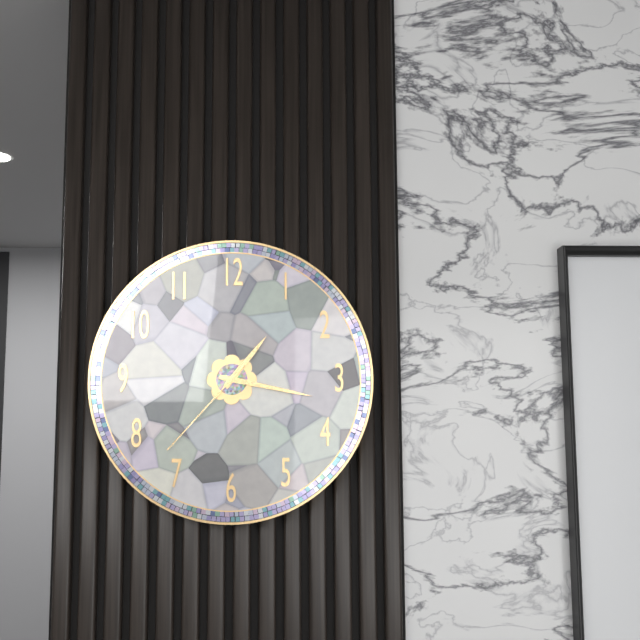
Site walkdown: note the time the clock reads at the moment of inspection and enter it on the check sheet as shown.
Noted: 1:17:37
